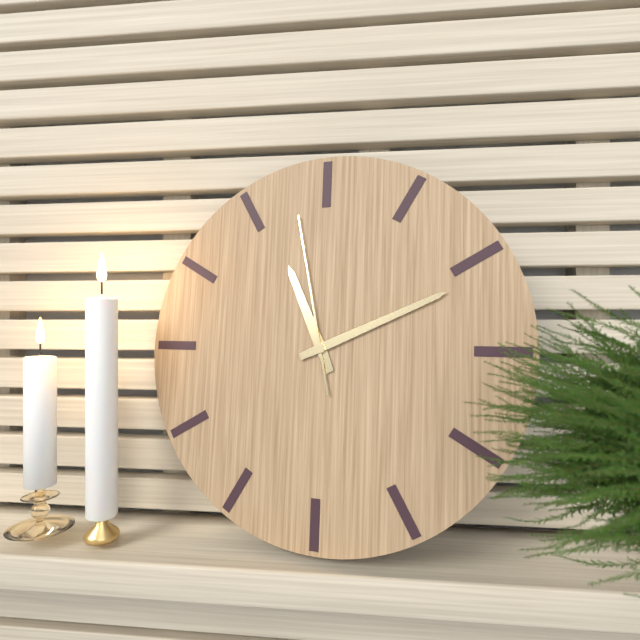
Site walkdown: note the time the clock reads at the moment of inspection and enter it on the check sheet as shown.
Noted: 11:11:58
